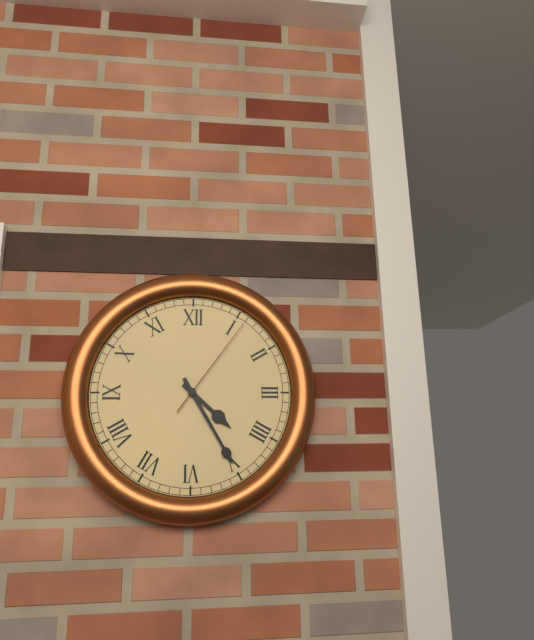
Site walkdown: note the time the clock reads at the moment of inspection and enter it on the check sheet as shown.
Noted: 4:25:06
